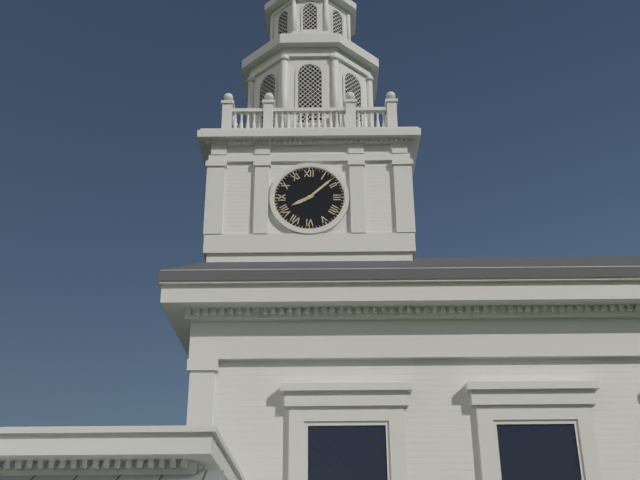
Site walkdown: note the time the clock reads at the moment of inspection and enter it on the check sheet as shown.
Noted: 8:08
